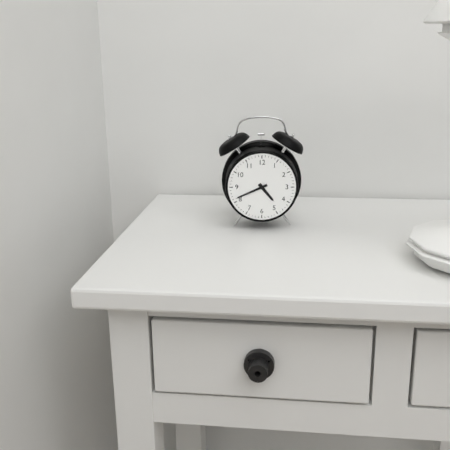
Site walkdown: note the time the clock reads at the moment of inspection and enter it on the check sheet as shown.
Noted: 4:41
